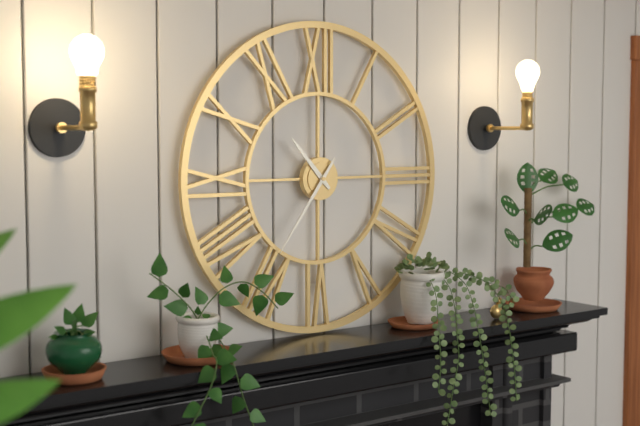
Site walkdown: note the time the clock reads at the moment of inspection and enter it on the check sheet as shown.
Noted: 10:36
